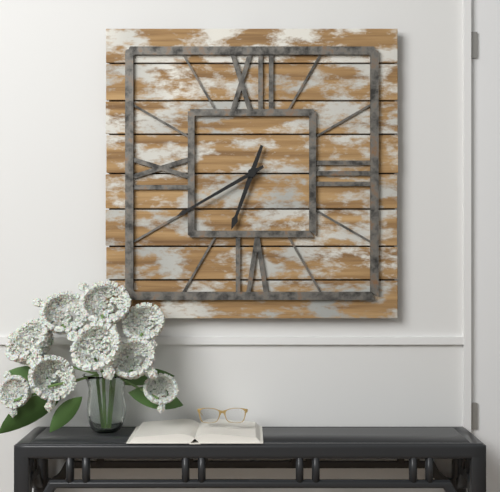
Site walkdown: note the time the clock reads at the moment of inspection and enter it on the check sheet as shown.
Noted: 6:40
